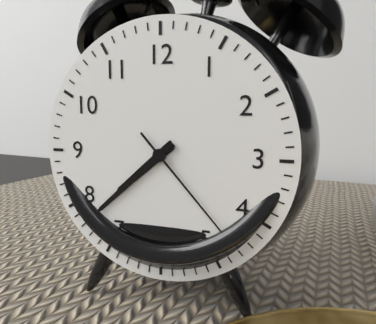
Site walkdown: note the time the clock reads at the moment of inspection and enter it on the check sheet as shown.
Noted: 7:38:23
